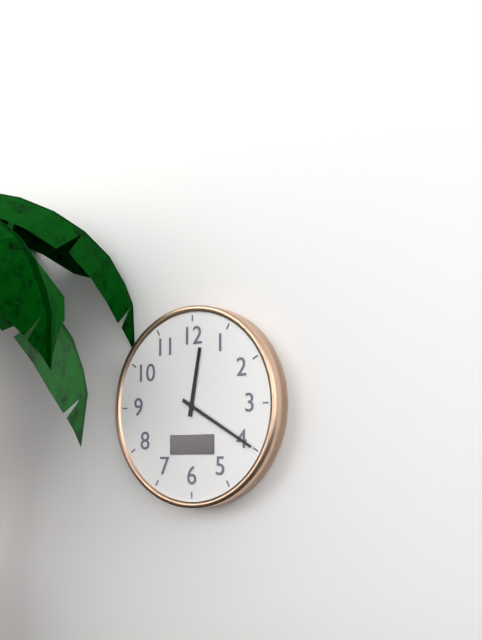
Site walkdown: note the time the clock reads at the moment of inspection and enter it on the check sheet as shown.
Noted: 12:20
